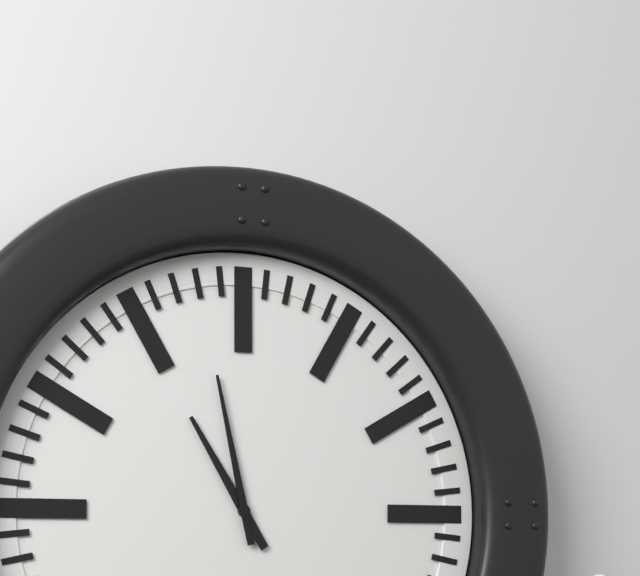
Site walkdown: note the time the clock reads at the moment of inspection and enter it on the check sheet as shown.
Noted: 10:58
